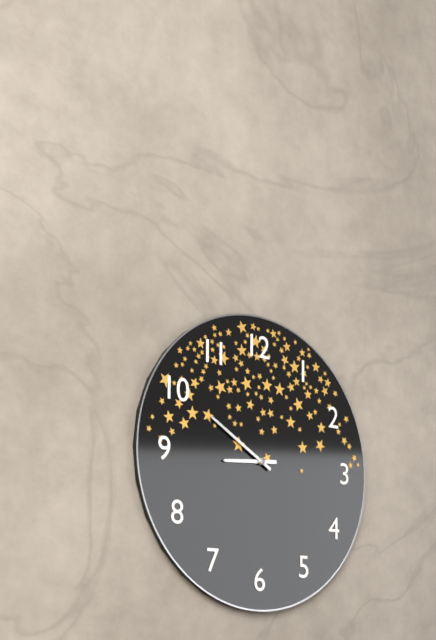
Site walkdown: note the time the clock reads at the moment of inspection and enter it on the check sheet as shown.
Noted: 8:50
